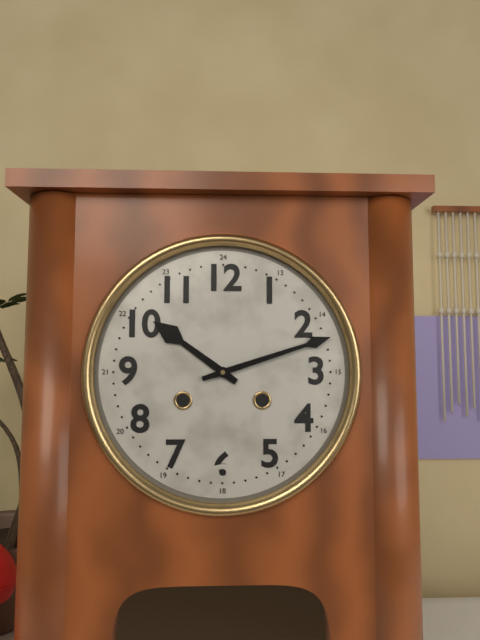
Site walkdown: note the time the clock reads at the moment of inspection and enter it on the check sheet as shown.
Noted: 10:12
